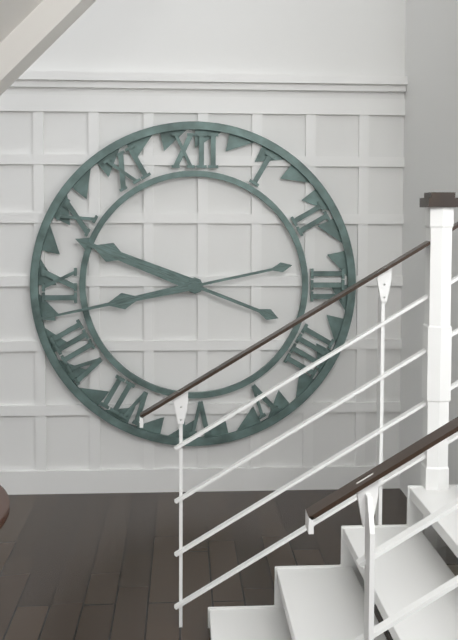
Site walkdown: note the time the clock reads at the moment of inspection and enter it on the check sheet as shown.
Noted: 9:43
